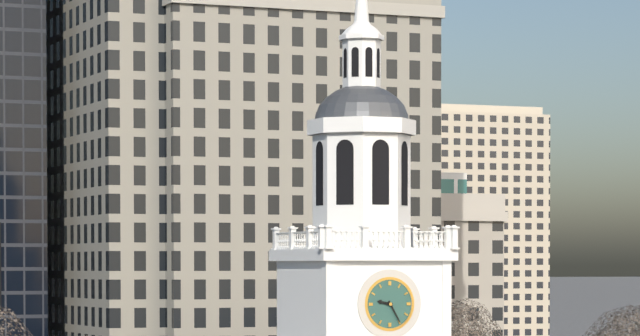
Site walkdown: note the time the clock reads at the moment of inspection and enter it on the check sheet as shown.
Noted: 9:25
